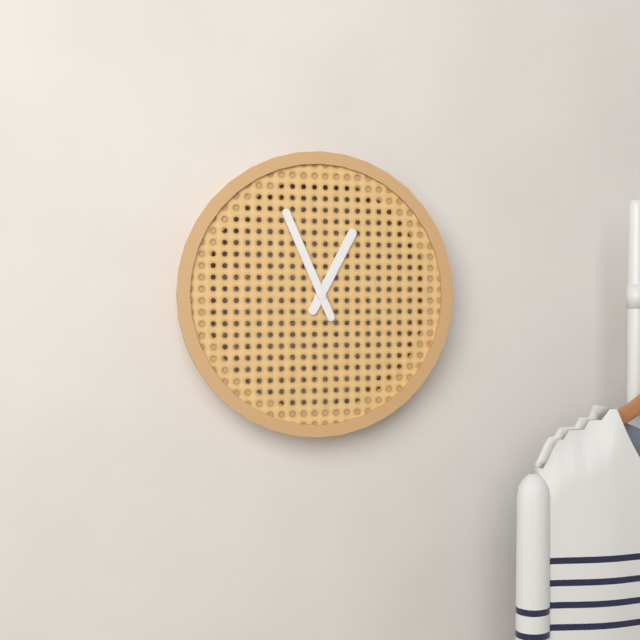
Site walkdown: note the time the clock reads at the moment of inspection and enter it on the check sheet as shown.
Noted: 12:56
